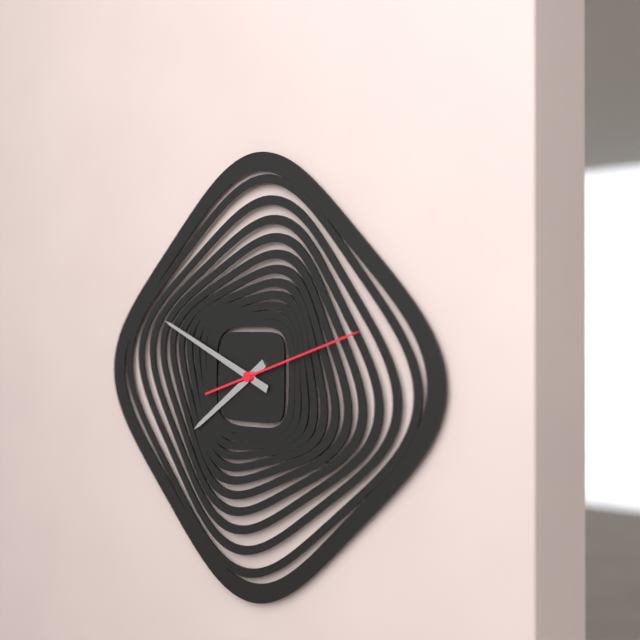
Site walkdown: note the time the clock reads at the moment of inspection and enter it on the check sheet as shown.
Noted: 7:49:12
